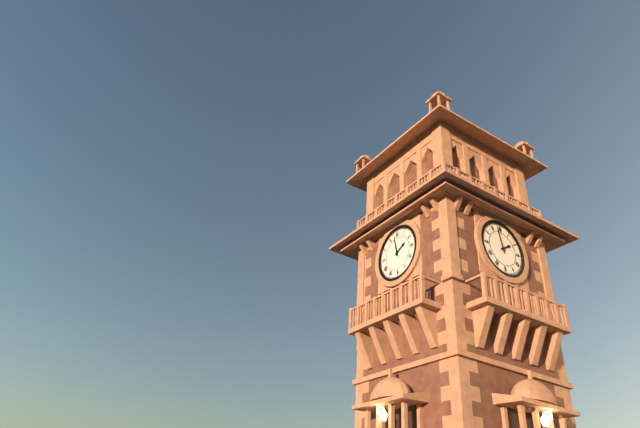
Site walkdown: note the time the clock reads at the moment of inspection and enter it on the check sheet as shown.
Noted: 1:58
